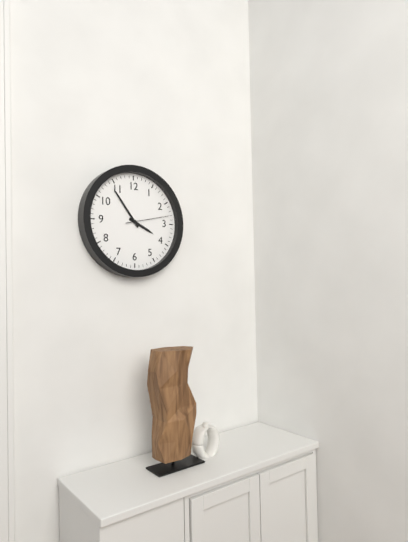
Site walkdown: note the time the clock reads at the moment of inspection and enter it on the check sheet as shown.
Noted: 3:54
